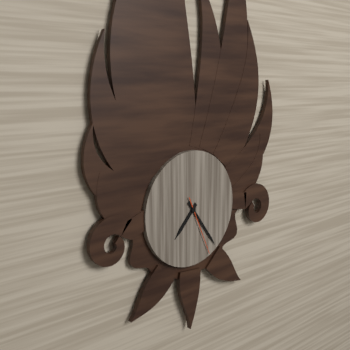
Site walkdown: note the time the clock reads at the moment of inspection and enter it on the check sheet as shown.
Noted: 7:24:26
